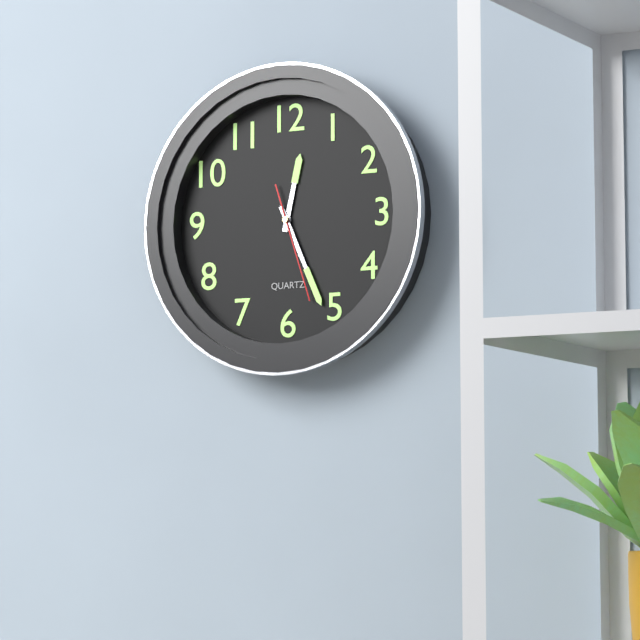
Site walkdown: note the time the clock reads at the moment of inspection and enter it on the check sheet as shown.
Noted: 12:26:27
